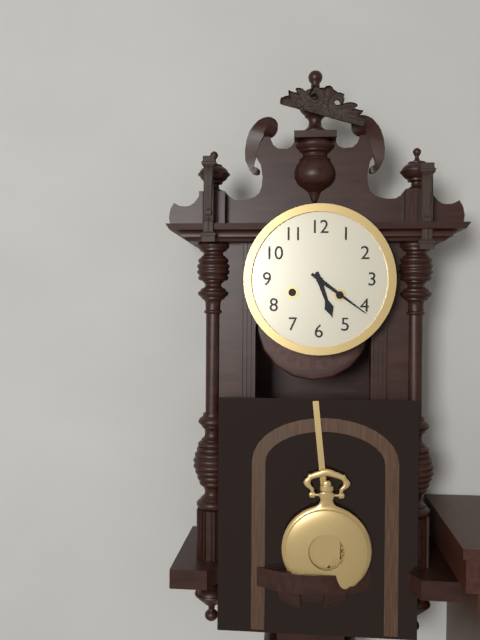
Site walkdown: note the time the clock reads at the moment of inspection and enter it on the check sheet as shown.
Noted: 5:21
